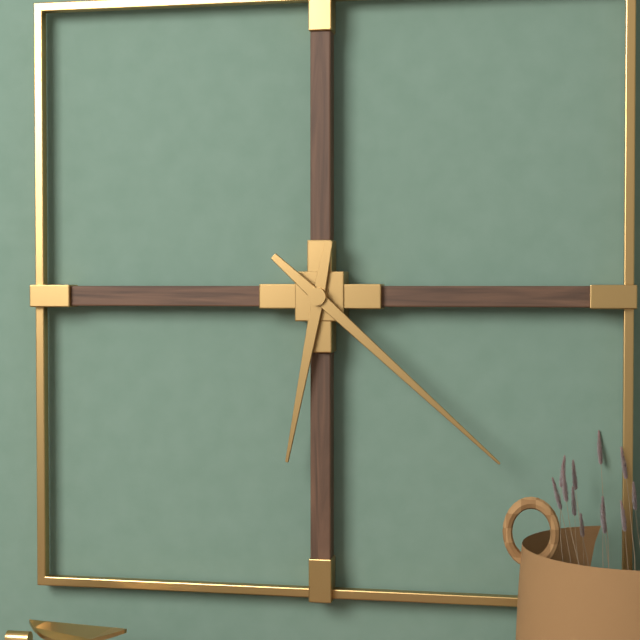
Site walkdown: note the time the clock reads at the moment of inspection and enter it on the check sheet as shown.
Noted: 6:22
